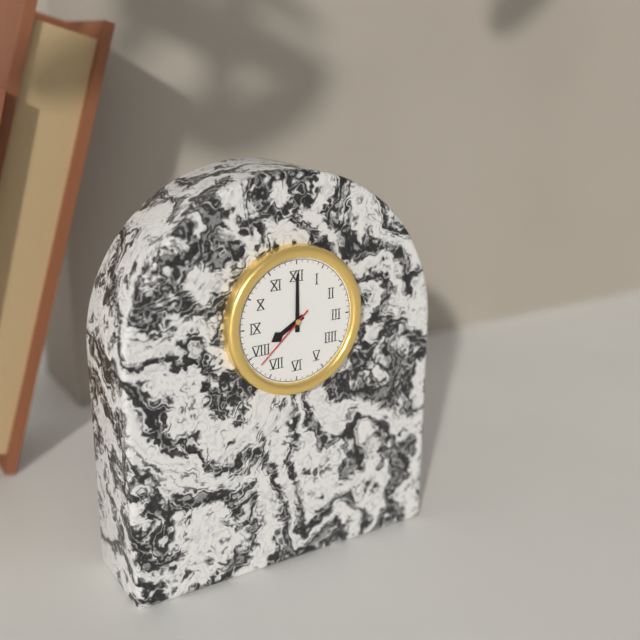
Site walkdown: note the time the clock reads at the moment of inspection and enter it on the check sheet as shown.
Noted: 8:00:38
